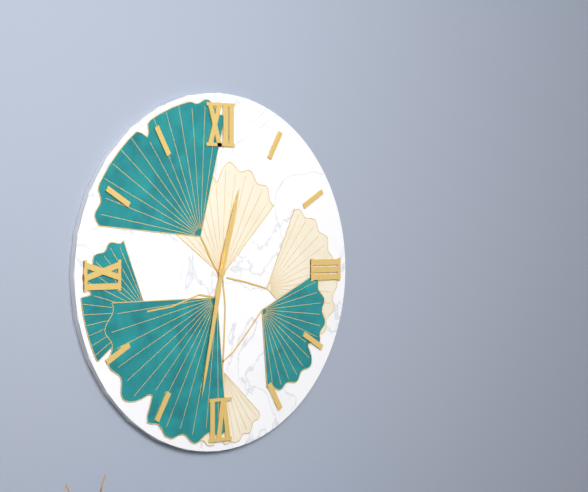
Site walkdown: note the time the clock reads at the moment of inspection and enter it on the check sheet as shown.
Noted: 12:32
